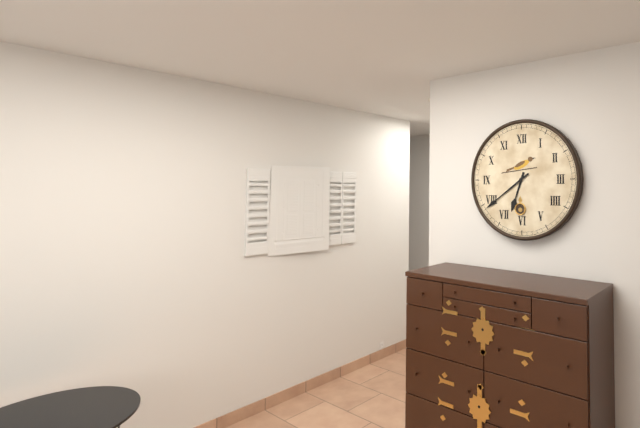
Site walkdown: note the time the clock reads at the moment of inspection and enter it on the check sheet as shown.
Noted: 6:39
